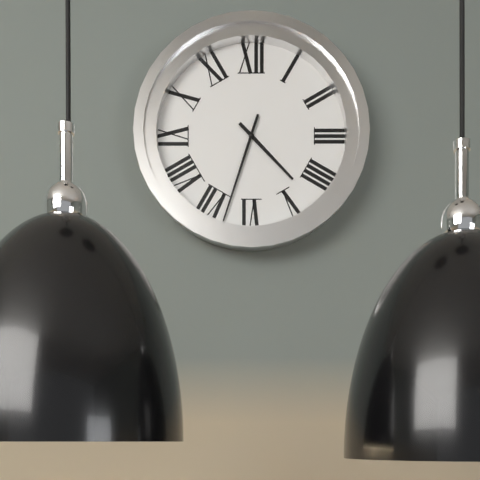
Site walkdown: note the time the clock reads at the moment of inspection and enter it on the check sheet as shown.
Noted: 4:33
